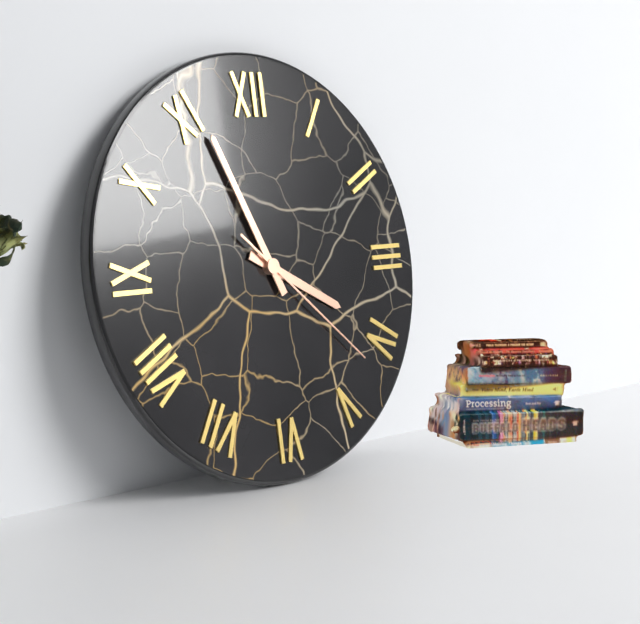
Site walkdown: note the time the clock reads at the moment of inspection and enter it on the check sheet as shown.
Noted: 3:56:22
